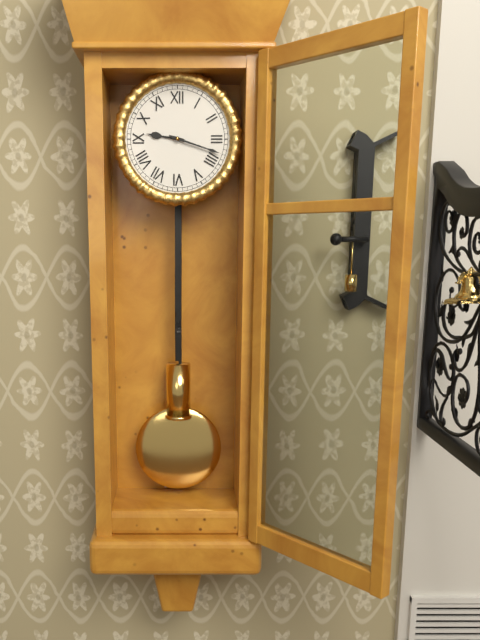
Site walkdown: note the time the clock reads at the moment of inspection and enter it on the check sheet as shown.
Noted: 9:18
